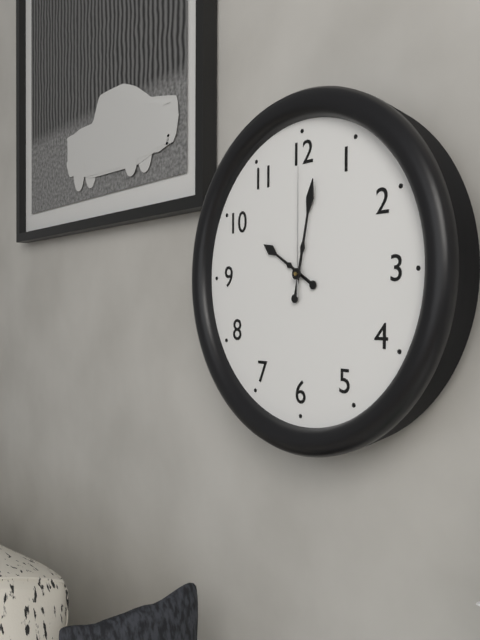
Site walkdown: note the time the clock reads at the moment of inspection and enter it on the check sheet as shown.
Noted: 10:02:00
